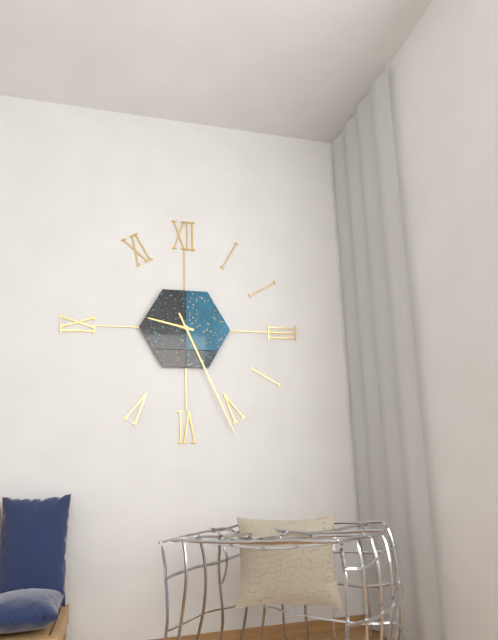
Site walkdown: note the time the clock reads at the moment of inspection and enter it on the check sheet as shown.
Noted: 9:26
